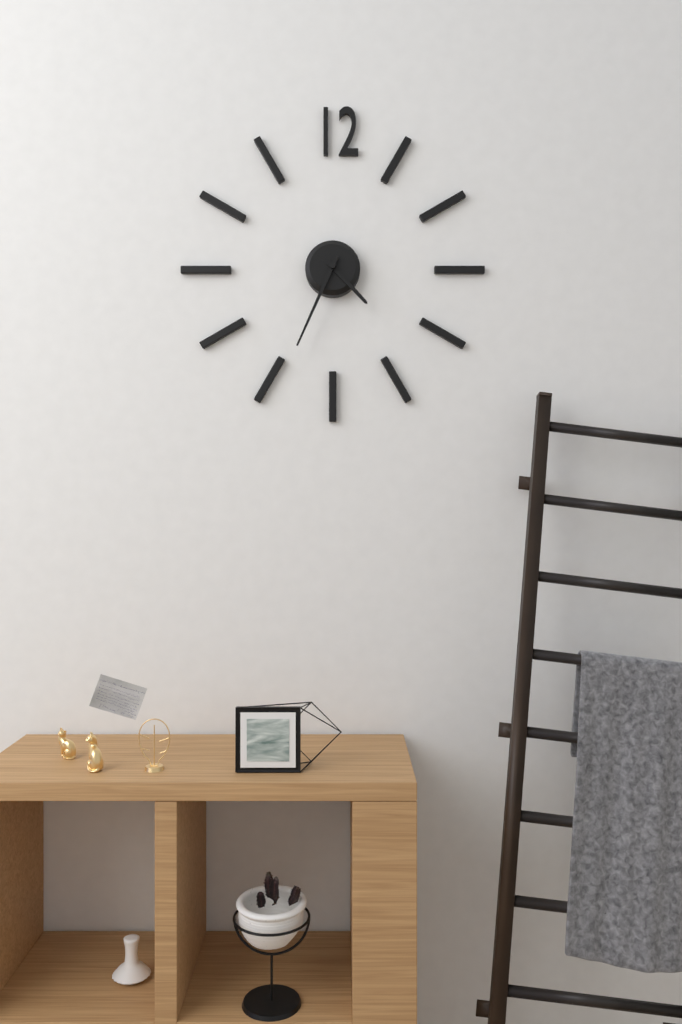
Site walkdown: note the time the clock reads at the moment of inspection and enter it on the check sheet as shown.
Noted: 4:34
